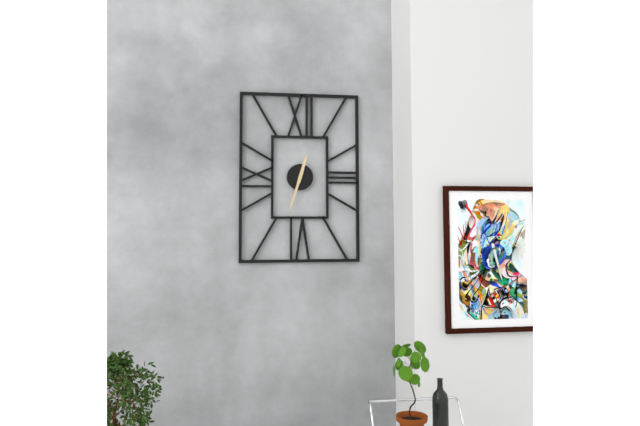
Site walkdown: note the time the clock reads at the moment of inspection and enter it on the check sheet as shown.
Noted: 12:33
